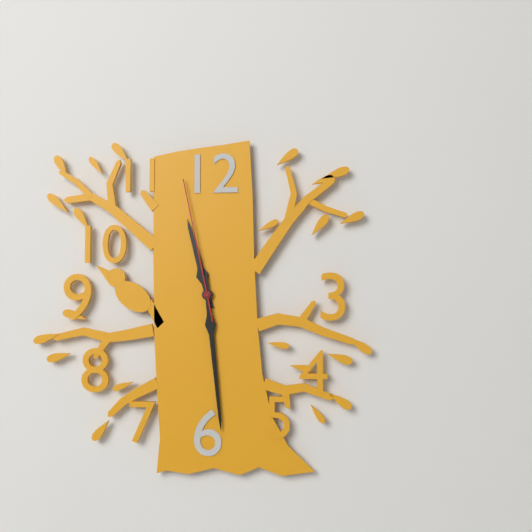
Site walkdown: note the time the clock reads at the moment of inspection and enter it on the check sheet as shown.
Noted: 11:29:58
